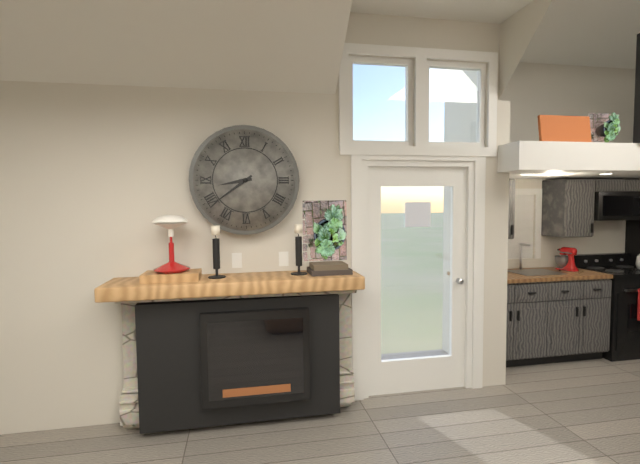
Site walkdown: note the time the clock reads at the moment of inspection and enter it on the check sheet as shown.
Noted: 8:39
